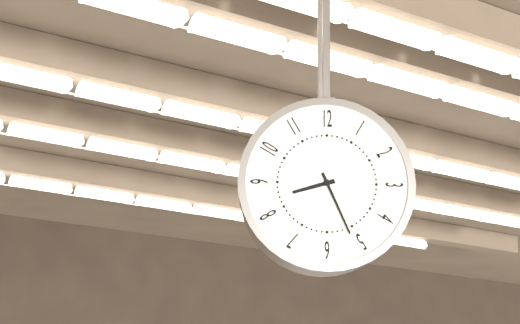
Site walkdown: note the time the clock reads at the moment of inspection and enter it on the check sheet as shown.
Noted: 8:26
